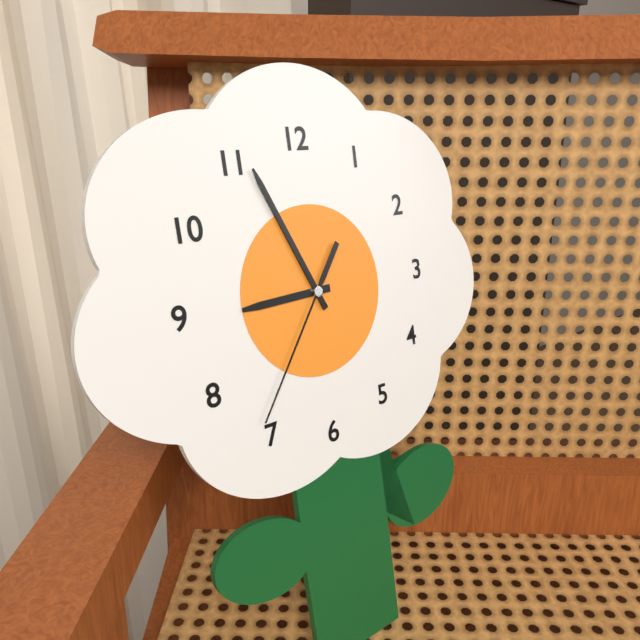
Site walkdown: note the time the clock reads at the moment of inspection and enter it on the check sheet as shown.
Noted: 8:56:36
